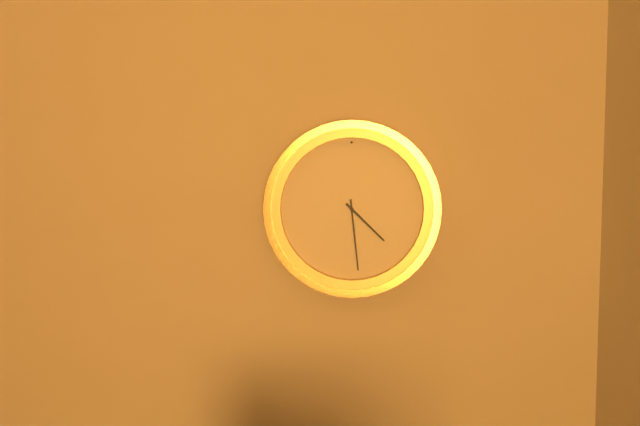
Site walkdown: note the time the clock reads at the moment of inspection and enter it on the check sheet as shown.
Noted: 4:29
